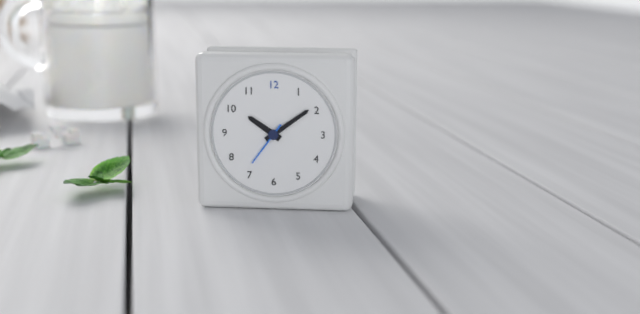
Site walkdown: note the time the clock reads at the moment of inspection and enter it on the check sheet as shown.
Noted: 10:09:36
